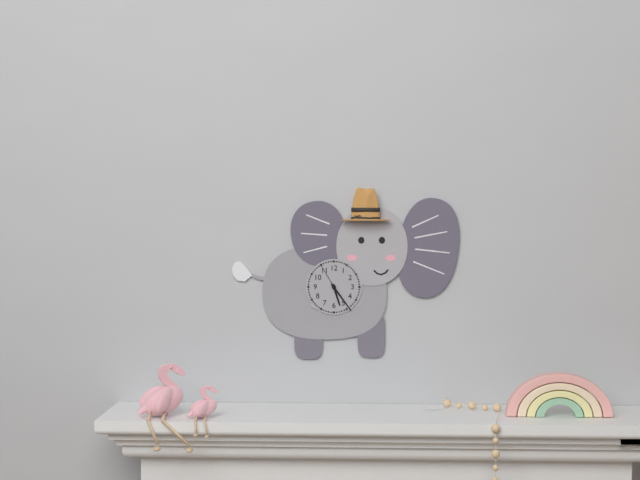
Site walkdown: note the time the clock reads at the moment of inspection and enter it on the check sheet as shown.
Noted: 5:24
